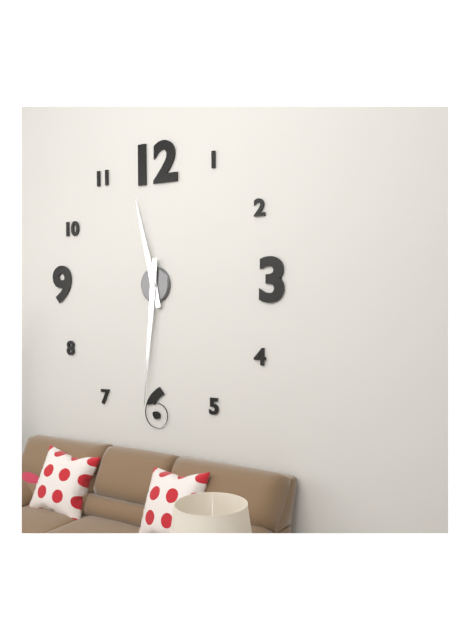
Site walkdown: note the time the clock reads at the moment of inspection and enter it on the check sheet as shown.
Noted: 11:31
